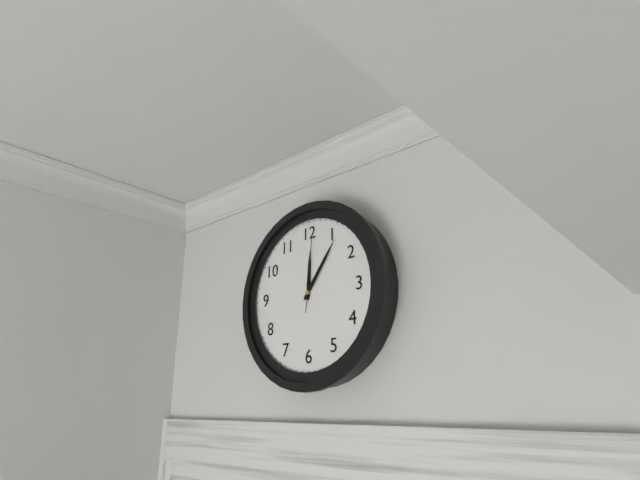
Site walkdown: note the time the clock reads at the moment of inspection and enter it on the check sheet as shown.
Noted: 12:06:01
